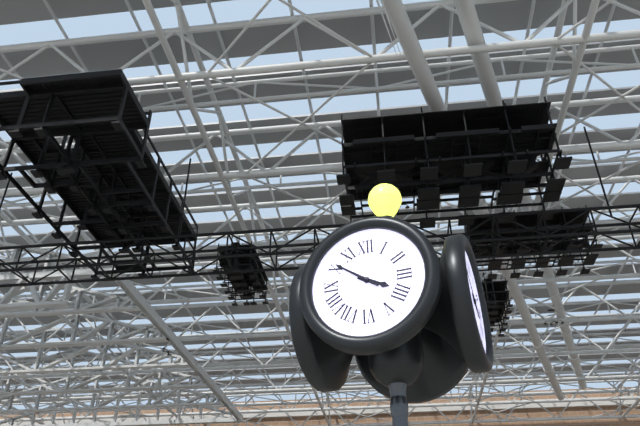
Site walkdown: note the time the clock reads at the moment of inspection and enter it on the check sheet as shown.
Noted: 3:51
